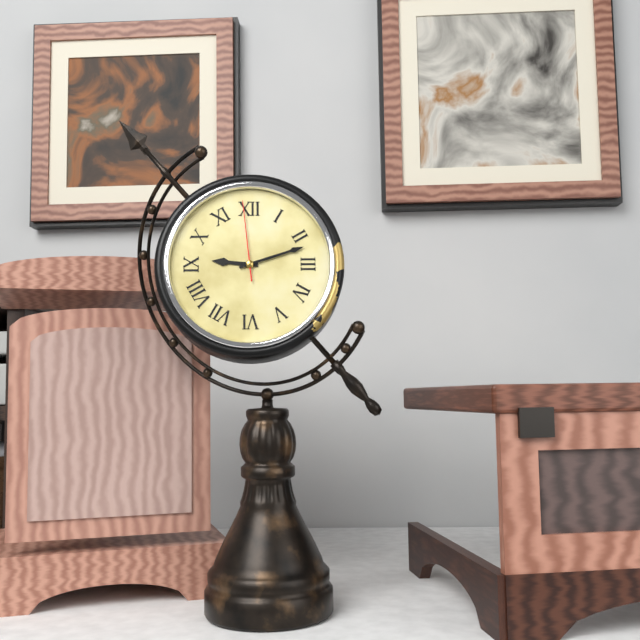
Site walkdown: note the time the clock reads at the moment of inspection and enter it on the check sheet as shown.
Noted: 9:12:59
